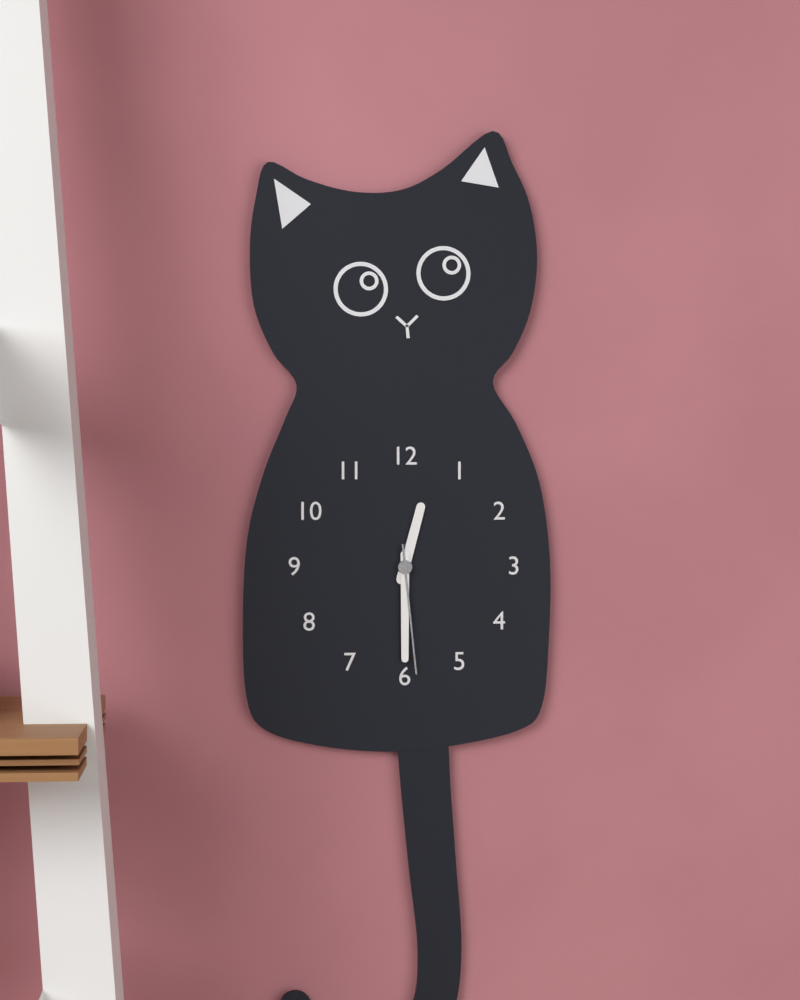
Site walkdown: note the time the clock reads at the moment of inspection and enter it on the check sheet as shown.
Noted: 12:30:29
